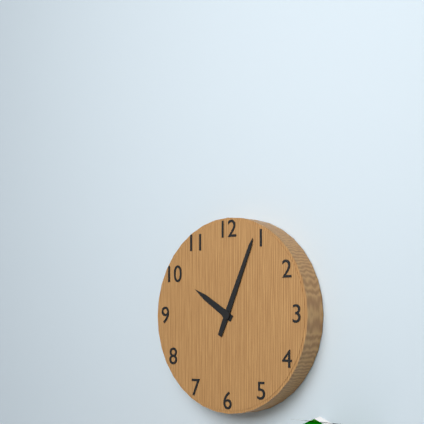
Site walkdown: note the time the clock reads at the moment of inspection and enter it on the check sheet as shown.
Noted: 10:04
